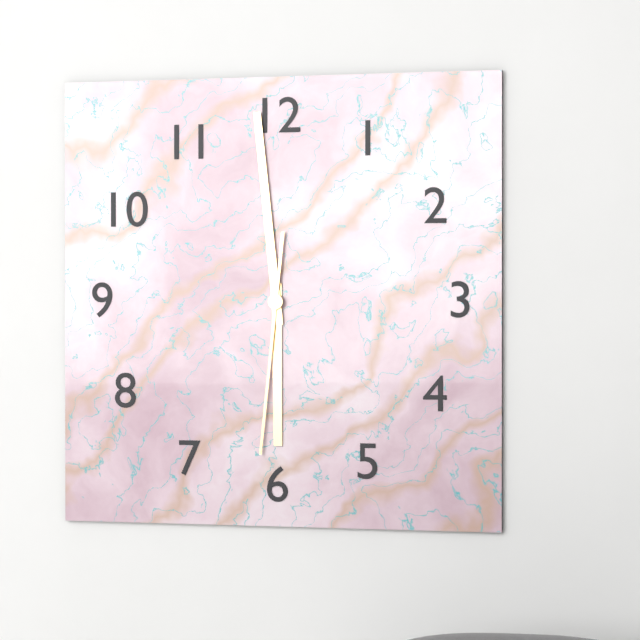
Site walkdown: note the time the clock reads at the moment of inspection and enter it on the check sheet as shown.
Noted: 5:59:31
